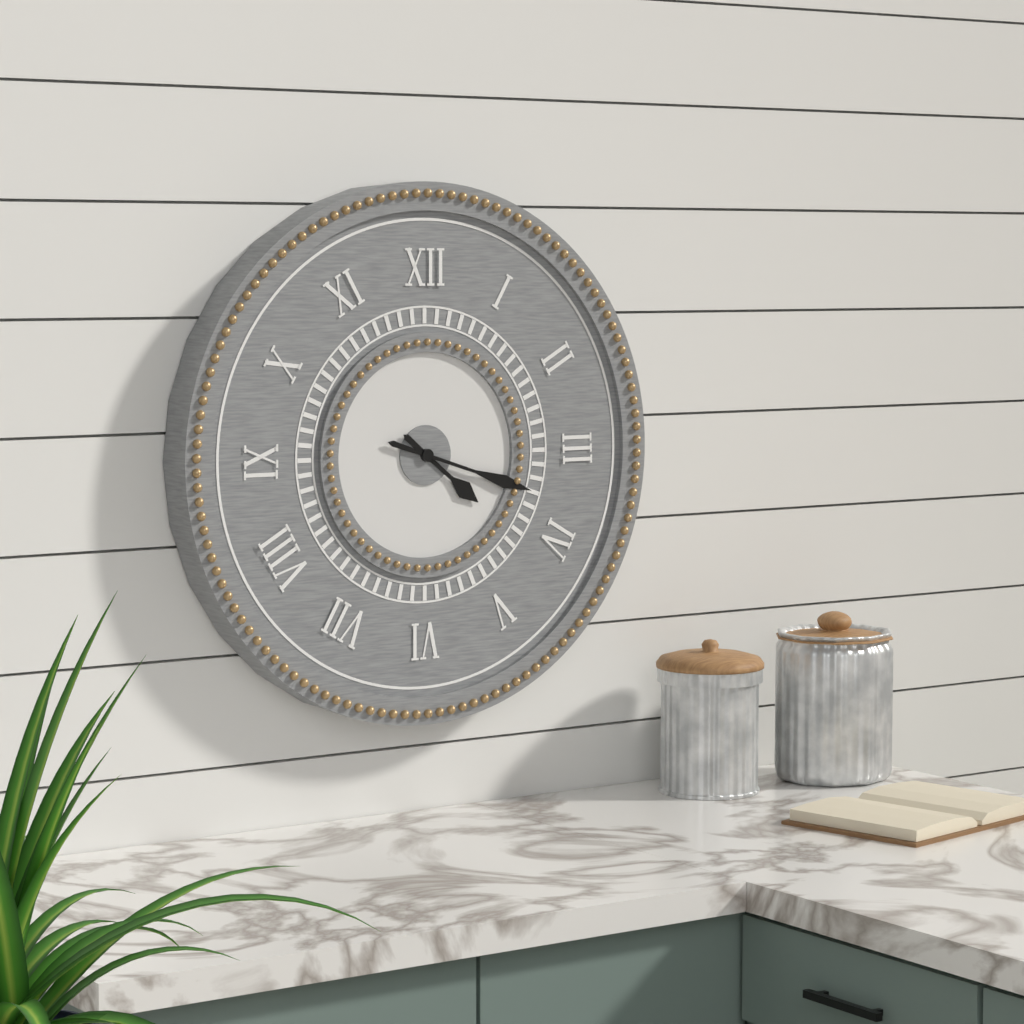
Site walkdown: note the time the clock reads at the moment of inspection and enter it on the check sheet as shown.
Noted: 4:18
